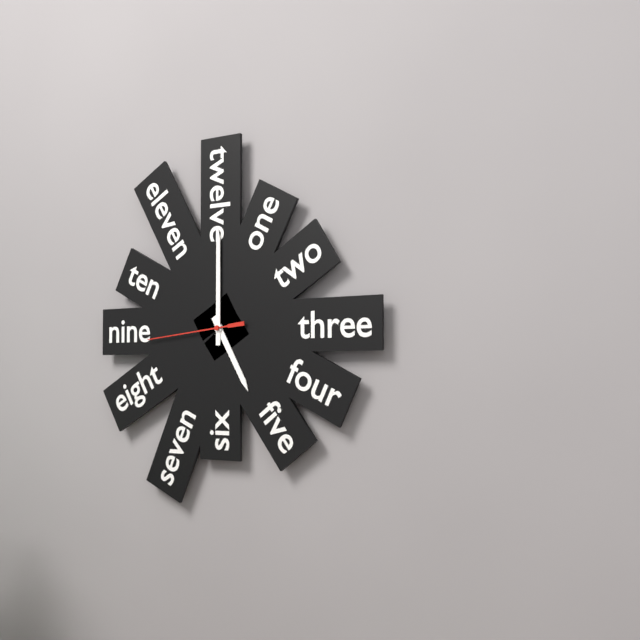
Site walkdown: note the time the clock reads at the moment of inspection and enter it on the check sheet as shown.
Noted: 5:00:44
